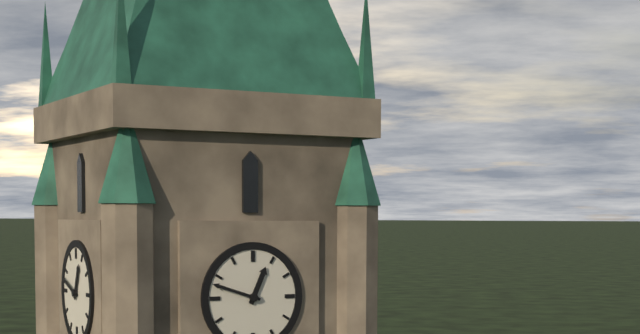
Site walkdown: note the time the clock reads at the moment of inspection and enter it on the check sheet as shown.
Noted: 12:48
